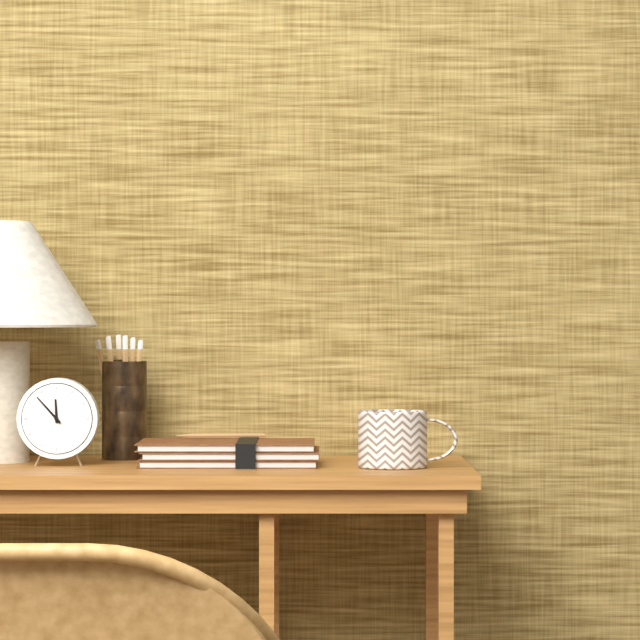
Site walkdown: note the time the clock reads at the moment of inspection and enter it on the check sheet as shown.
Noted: 11:53
